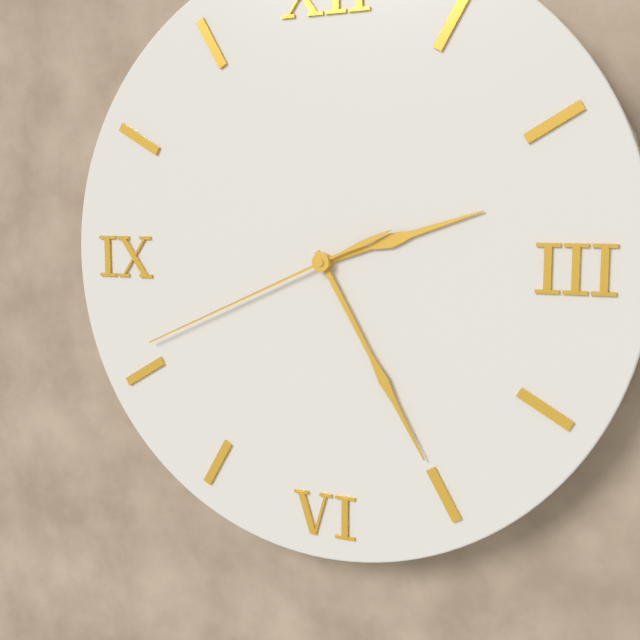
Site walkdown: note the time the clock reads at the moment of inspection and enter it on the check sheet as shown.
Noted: 2:25:41
